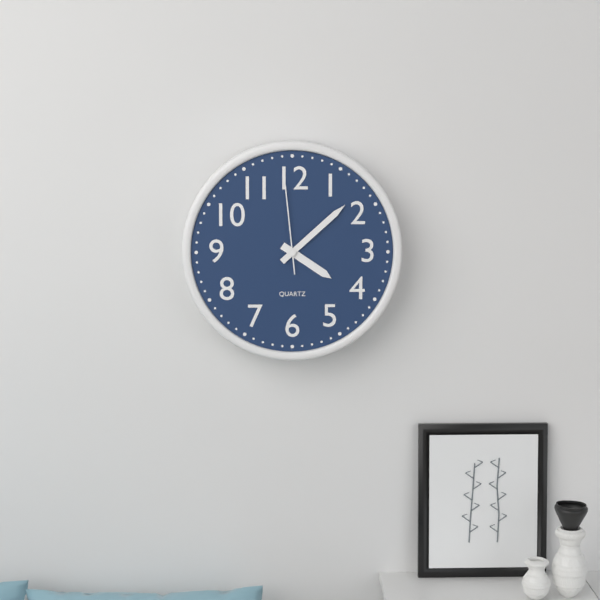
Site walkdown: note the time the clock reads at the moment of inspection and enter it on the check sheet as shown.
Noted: 4:08:59
